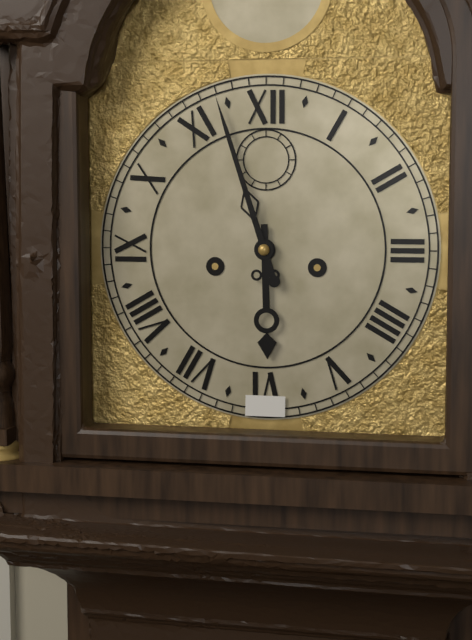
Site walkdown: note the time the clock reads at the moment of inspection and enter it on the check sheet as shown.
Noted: 5:57
